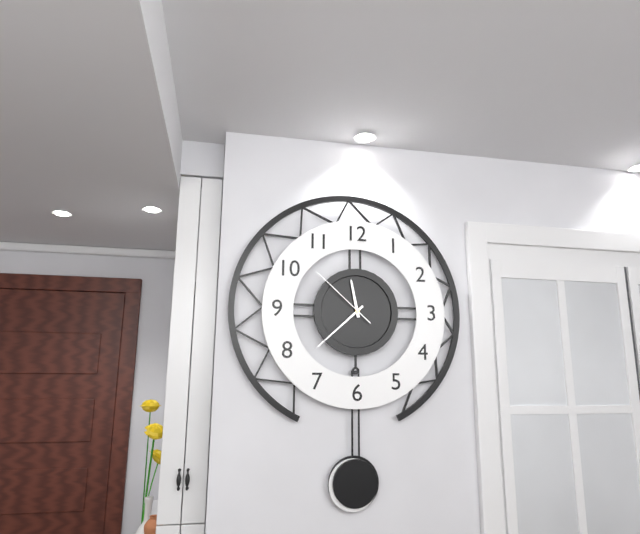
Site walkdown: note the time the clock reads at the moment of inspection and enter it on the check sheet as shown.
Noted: 11:38:52
